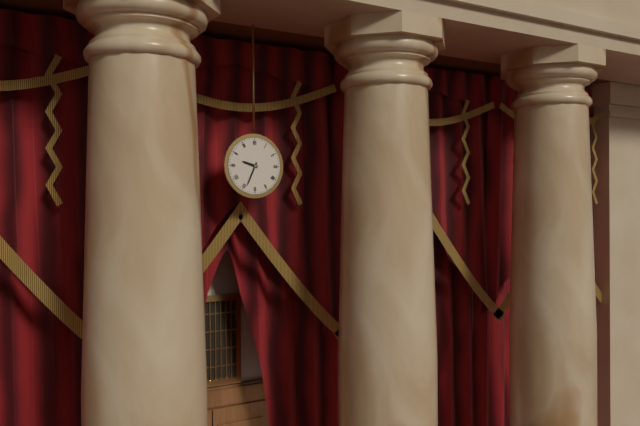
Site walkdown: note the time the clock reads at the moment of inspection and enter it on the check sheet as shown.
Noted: 9:34
